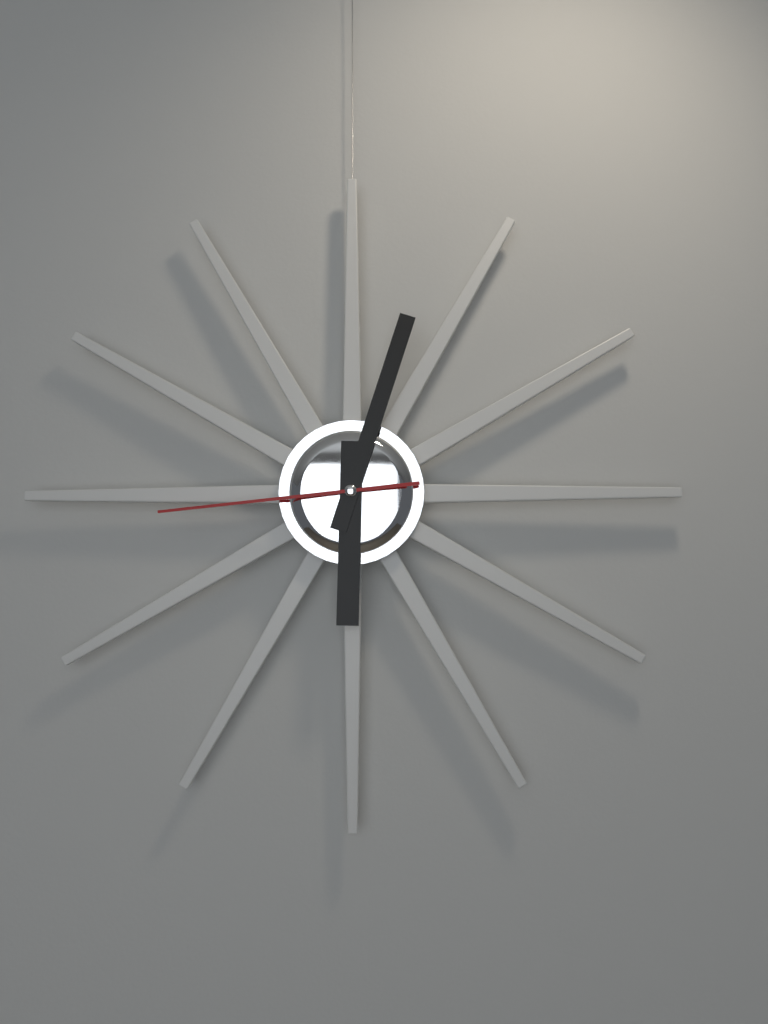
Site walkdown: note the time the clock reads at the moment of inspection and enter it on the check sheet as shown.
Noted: 6:03:44
